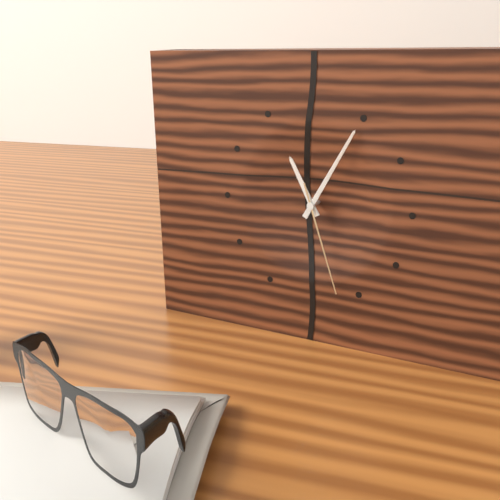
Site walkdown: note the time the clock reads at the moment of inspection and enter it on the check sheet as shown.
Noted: 11:05:27
